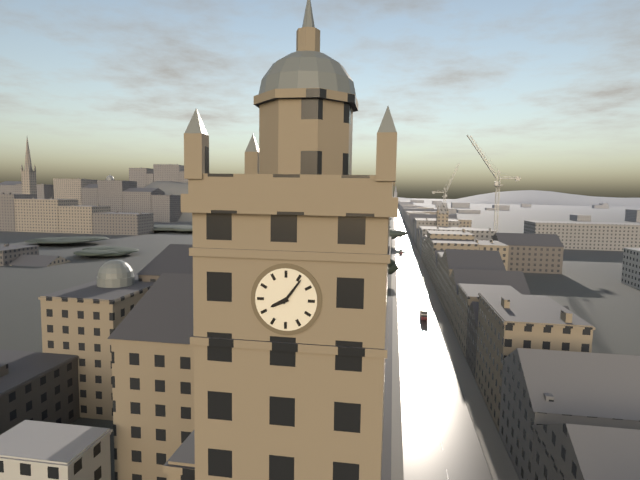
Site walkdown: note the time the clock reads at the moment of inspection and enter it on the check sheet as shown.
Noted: 8:06
